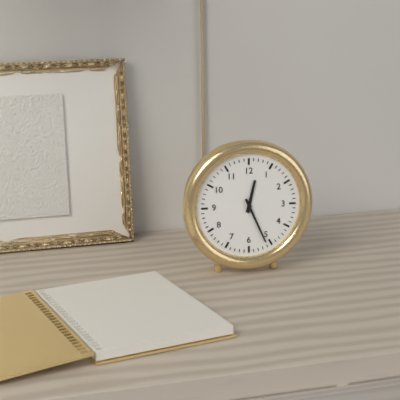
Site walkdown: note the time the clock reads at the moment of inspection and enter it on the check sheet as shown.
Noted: 12:26
